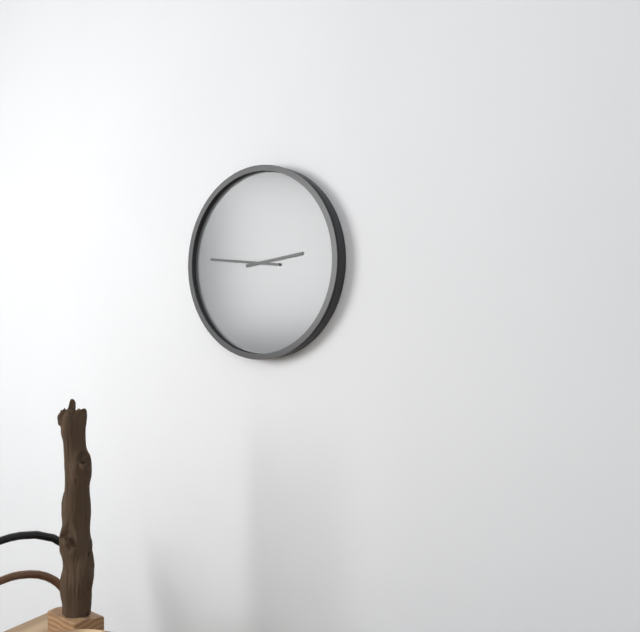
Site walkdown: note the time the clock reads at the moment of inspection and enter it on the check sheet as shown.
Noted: 2:46
